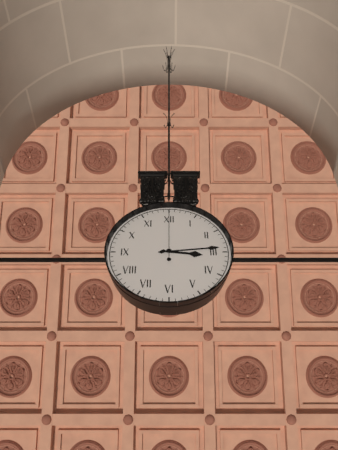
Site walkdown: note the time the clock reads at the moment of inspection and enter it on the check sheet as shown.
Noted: 3:14:00
